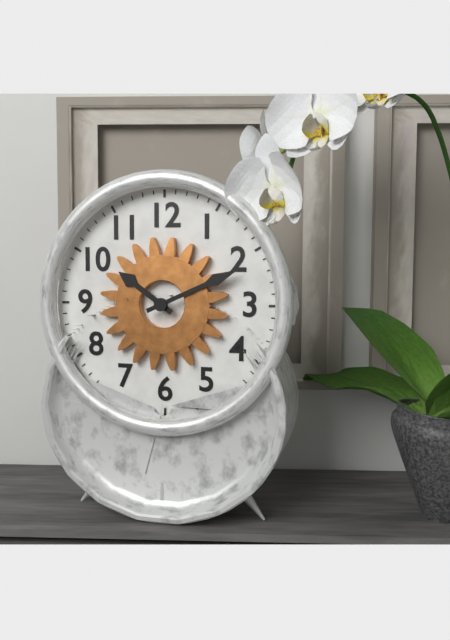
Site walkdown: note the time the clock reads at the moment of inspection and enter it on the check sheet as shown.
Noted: 10:11
